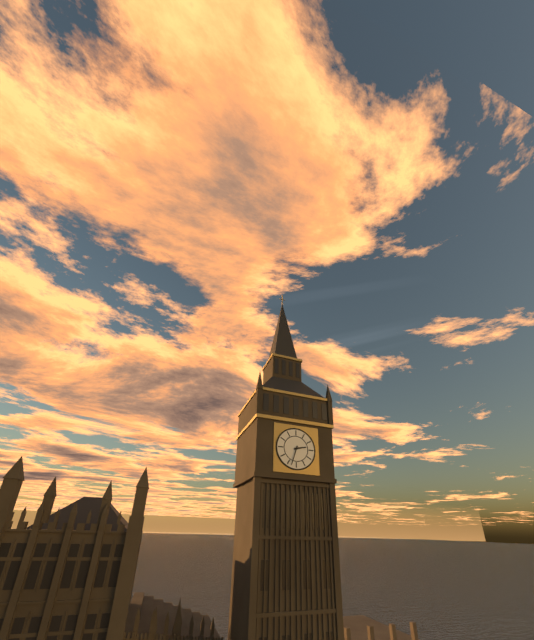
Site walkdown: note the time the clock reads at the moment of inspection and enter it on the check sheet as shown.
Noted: 2:33
